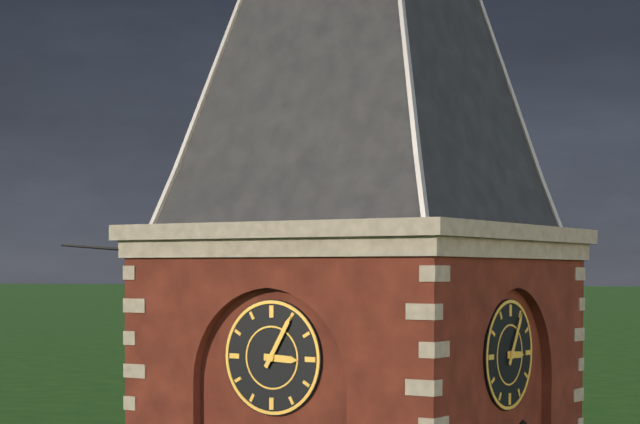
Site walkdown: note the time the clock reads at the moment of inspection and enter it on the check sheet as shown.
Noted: 3:05
